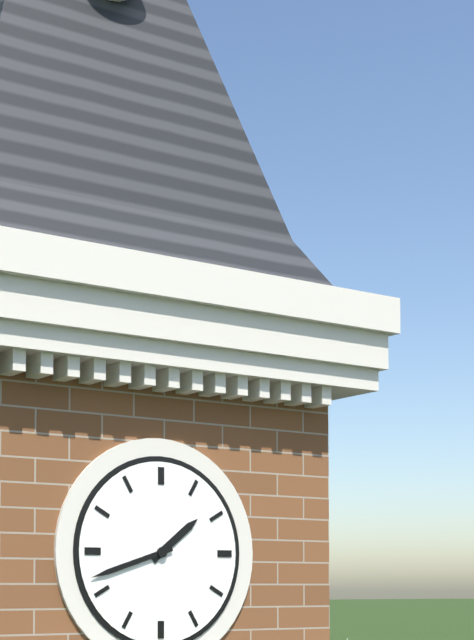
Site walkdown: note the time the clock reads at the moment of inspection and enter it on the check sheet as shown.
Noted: 1:42
